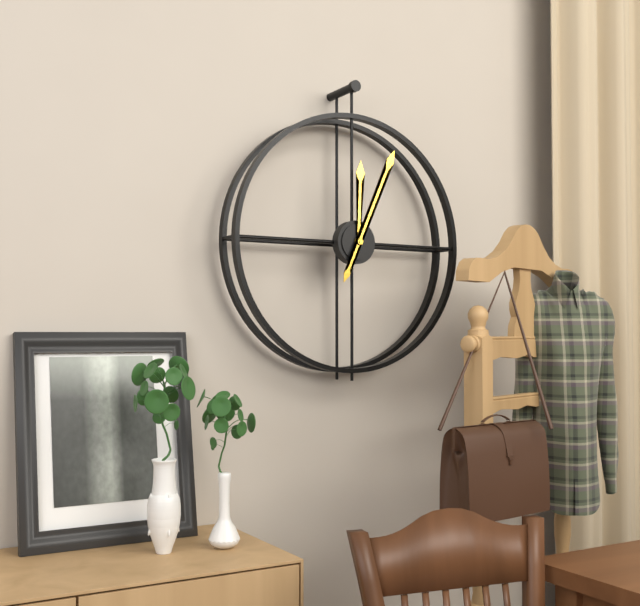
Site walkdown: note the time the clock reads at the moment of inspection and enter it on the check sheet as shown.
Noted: 12:04
